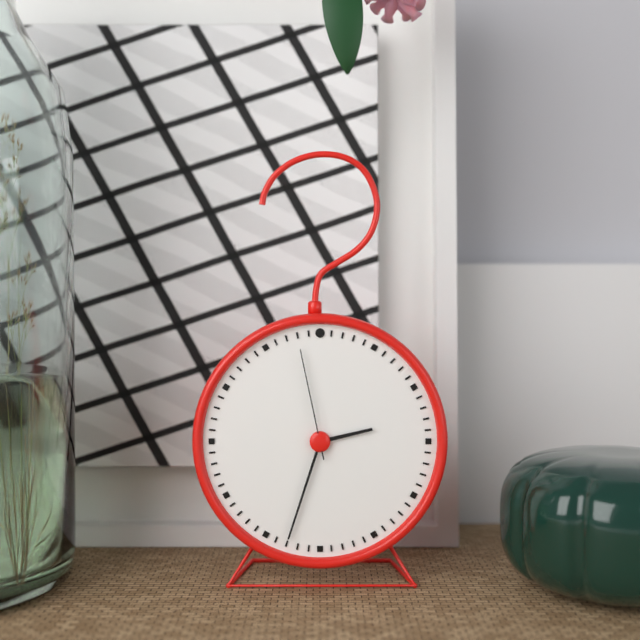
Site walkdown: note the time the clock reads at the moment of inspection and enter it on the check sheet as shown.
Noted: 2:33:58
